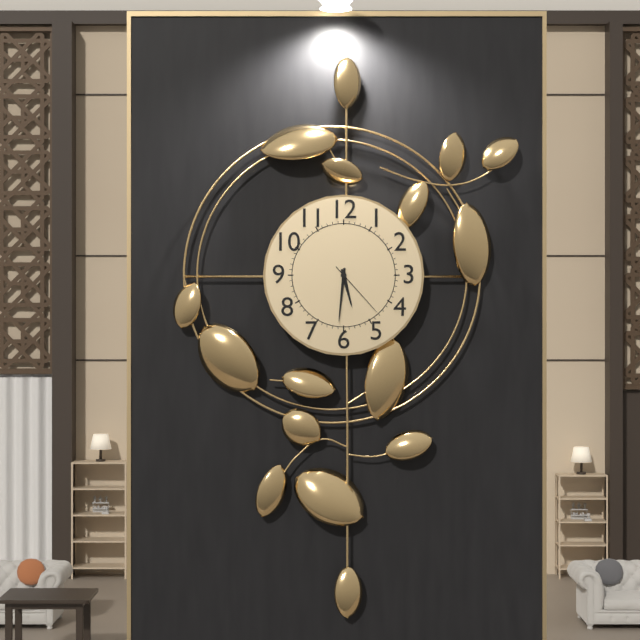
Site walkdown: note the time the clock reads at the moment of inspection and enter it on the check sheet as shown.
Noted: 5:31:23
